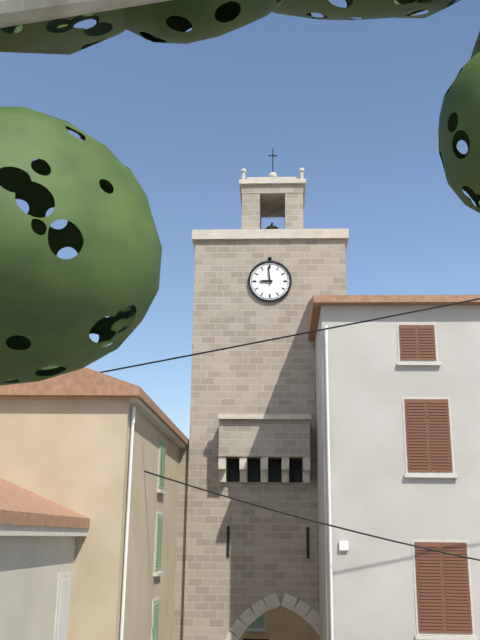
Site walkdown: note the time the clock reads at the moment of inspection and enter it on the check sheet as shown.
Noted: 8:59
